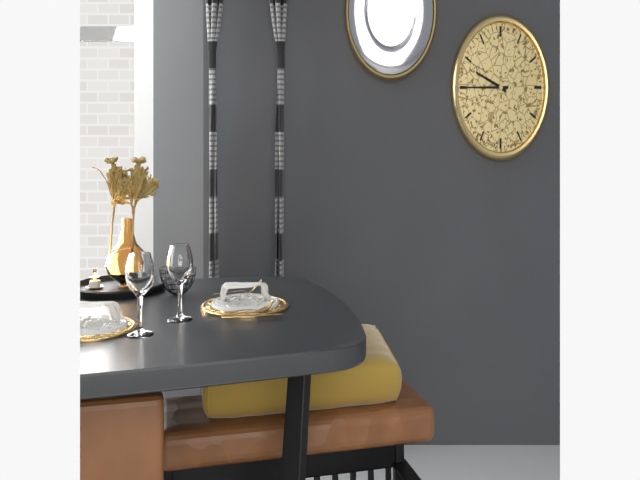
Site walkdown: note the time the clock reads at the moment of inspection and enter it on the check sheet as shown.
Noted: 9:45
